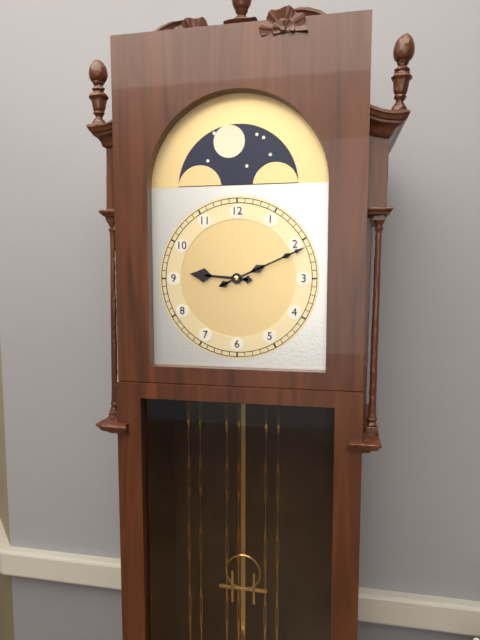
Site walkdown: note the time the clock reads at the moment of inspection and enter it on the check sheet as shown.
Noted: 9:11
